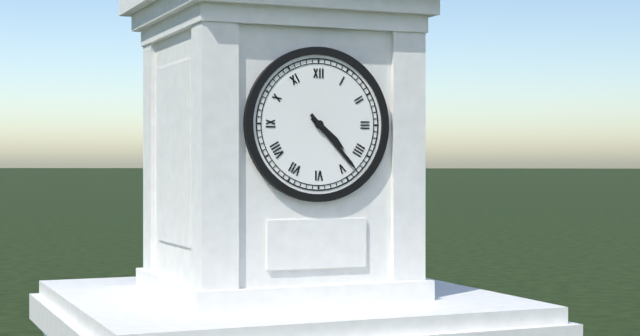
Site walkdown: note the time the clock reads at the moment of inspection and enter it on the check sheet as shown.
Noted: 4:23
